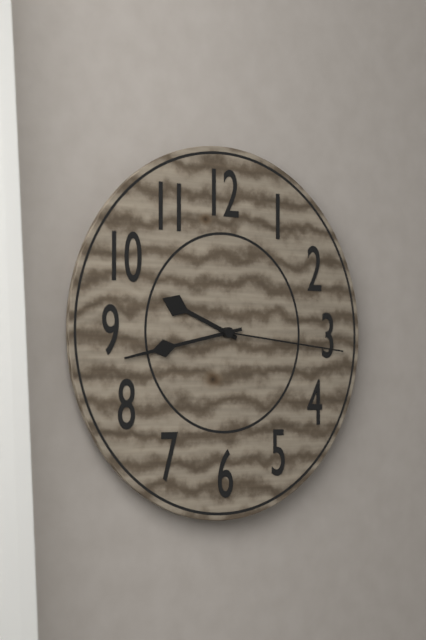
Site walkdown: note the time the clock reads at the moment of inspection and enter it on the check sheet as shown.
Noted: 9:43:16
